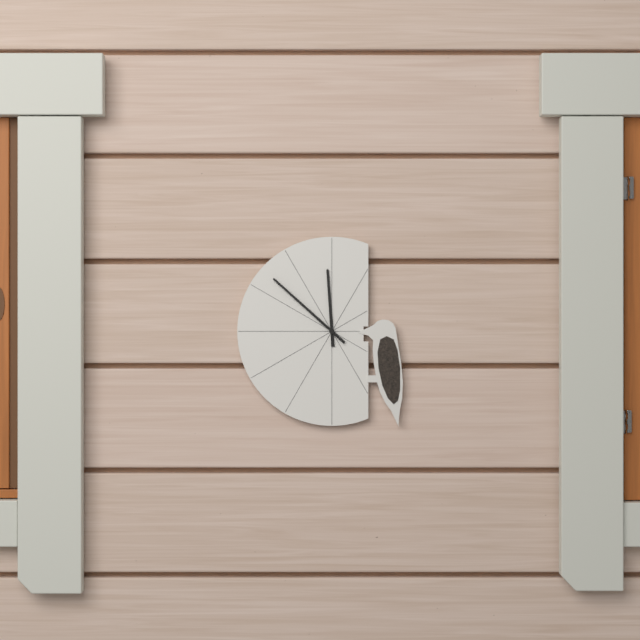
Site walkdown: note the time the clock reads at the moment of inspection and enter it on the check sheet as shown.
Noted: 11:52
